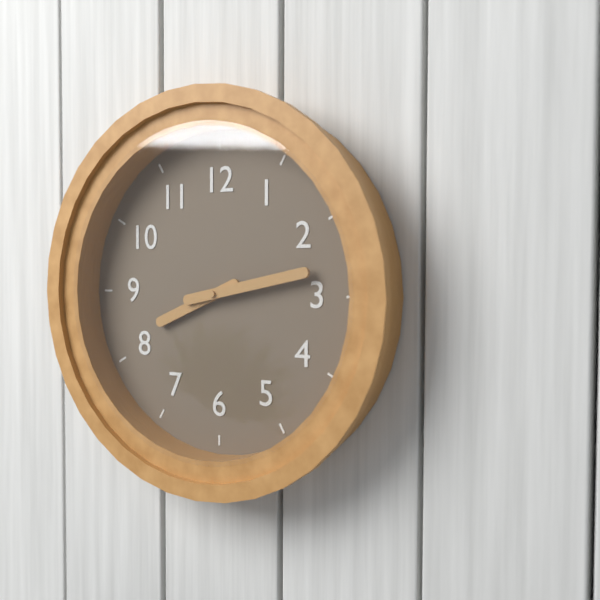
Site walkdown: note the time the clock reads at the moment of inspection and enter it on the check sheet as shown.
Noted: 8:13
